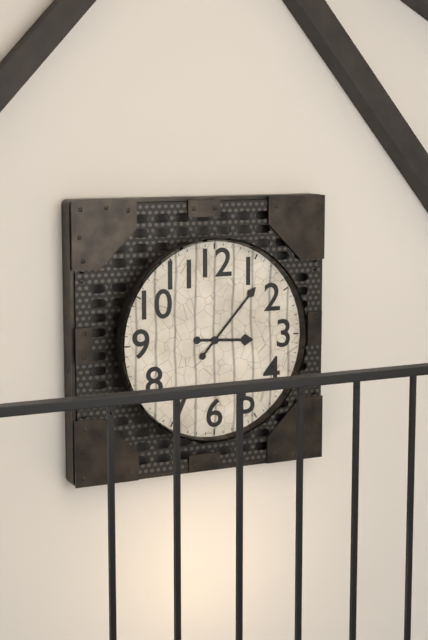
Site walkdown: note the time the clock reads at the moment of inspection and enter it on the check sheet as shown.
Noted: 3:07
